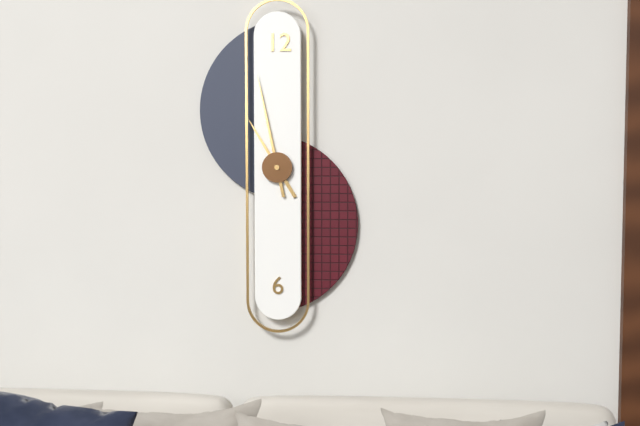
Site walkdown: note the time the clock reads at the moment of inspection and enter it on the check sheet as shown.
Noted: 10:58
